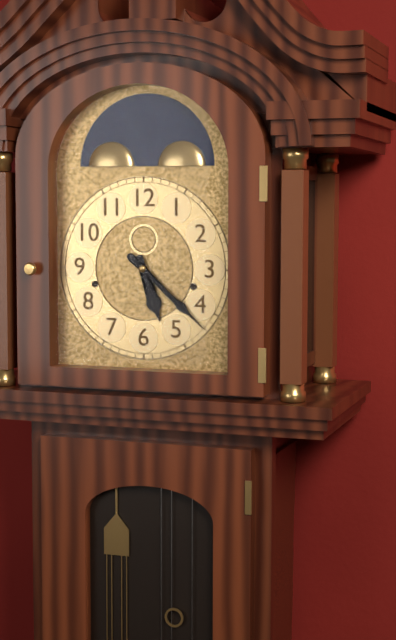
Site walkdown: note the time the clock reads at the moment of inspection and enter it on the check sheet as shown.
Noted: 5:22
